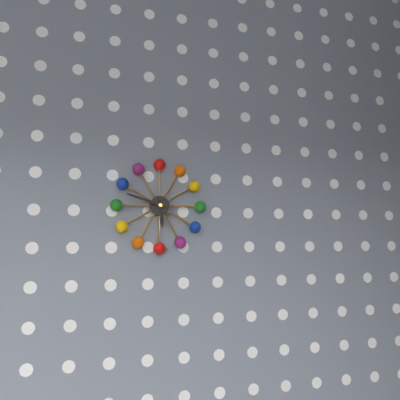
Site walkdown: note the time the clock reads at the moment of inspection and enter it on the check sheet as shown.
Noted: 5:48
